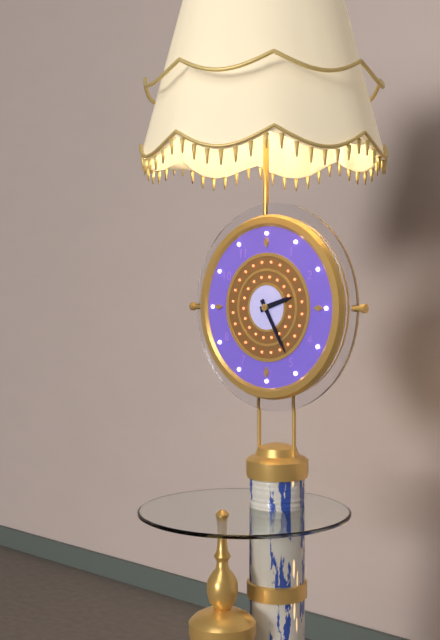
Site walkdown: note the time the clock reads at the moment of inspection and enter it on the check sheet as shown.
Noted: 2:25
